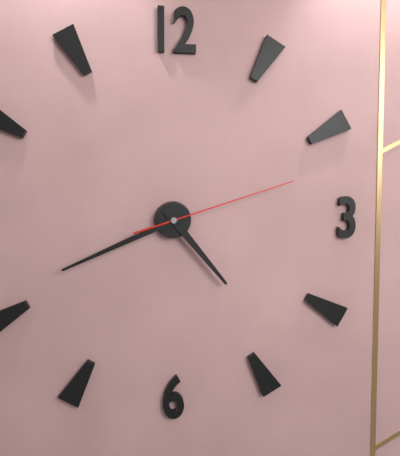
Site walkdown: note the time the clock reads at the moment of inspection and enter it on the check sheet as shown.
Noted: 4:41:12
